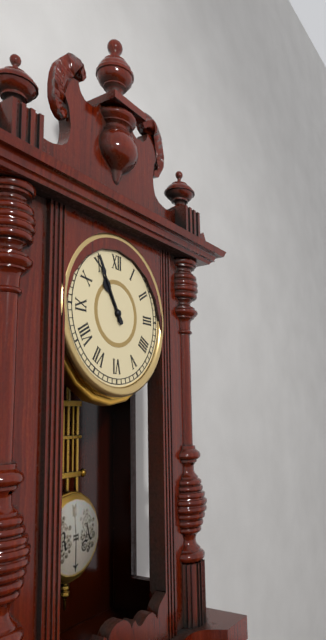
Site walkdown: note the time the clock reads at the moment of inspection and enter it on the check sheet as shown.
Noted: 10:55
